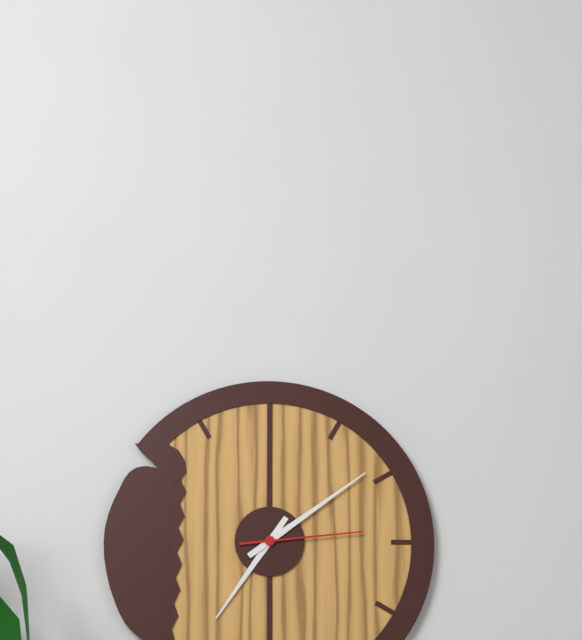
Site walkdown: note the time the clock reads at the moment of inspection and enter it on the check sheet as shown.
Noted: 7:09:14
